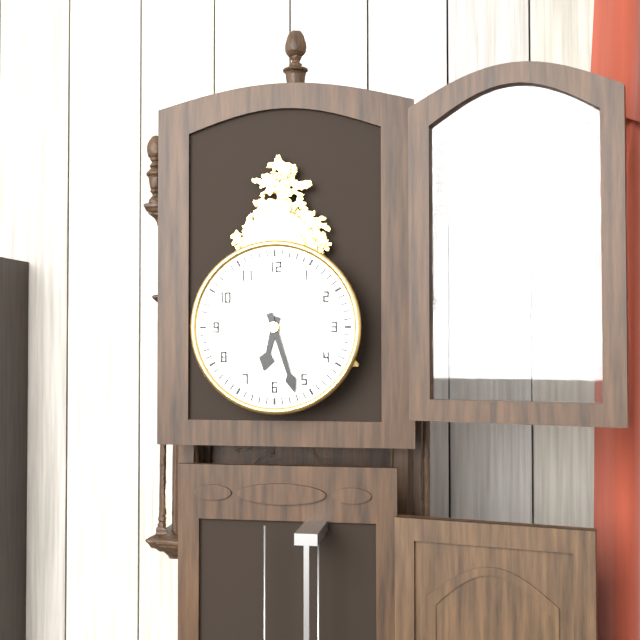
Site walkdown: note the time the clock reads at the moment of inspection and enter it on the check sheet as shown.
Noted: 6:27
